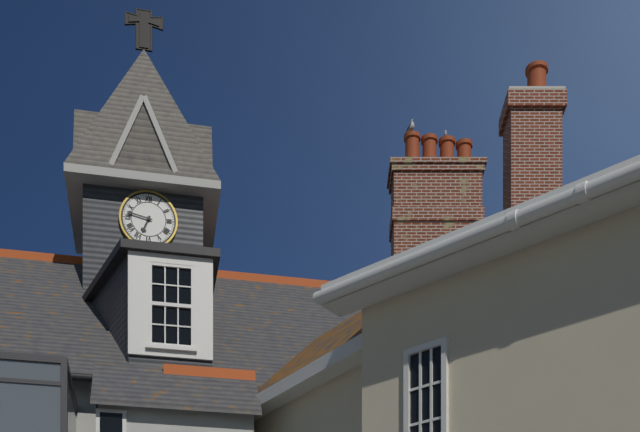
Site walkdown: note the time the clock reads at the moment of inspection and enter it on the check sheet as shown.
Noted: 6:47
